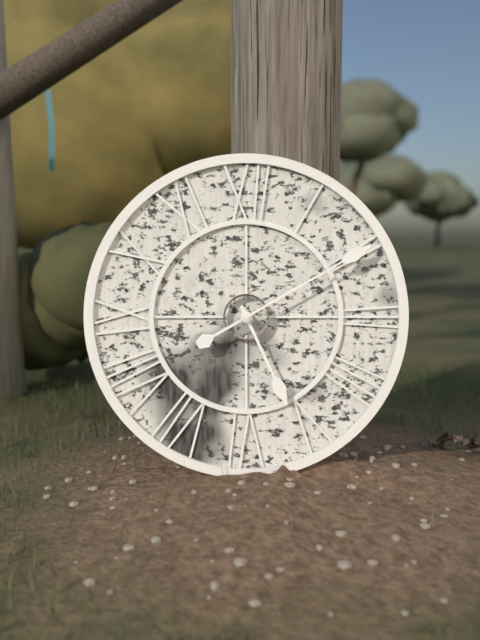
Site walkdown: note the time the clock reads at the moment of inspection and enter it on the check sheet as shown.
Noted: 5:10
